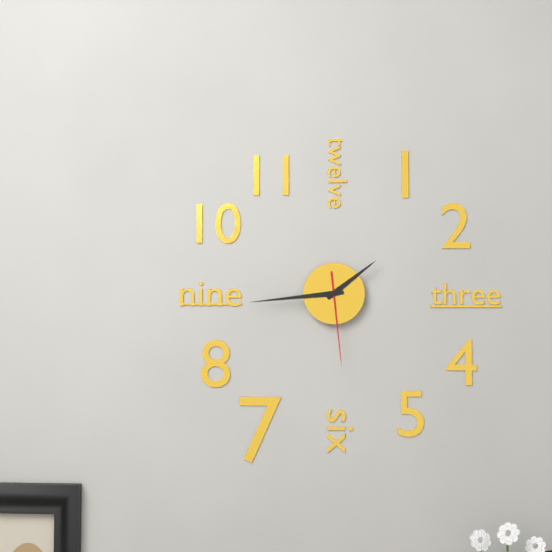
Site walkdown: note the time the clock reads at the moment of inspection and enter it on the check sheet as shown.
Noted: 1:44:29
